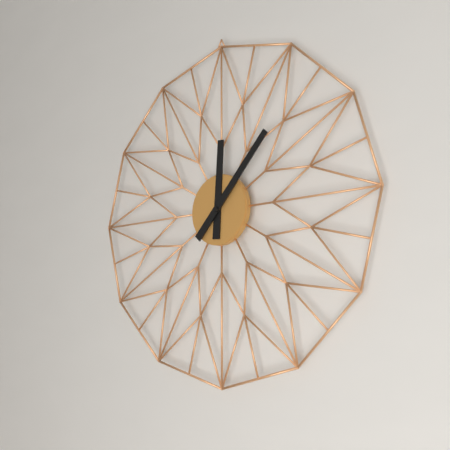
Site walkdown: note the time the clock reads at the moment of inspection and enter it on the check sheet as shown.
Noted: 12:07
